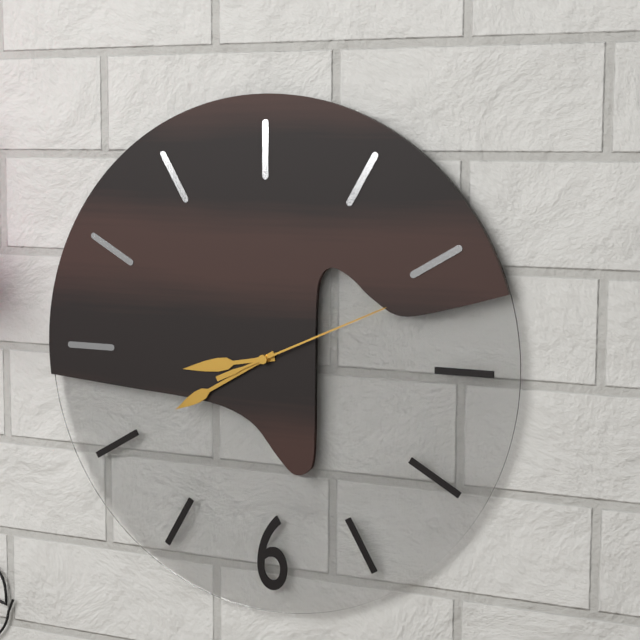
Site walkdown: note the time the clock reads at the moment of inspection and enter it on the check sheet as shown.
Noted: 8:40:11
